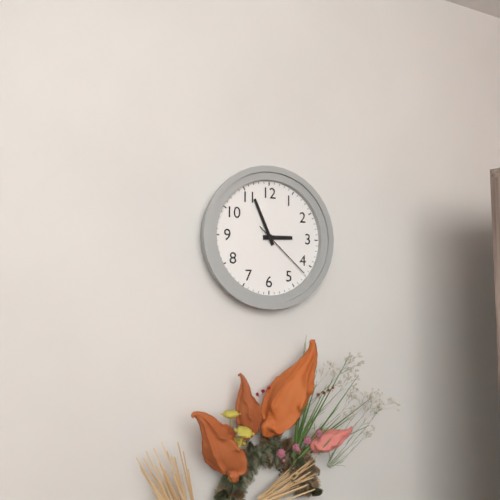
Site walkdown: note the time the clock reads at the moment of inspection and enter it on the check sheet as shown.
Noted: 2:56:22
